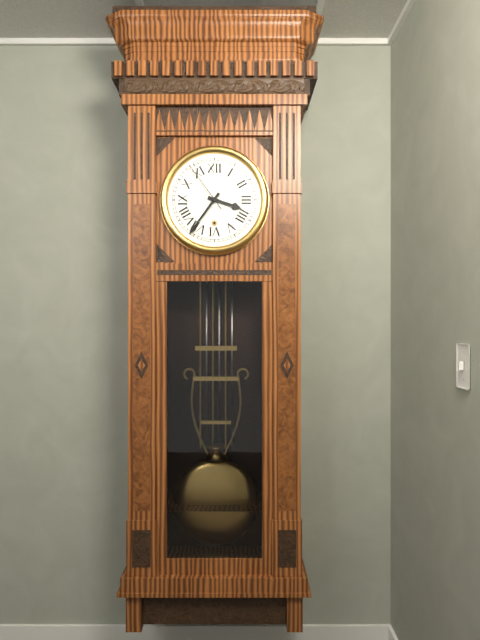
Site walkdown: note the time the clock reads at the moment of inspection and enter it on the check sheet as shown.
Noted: 3:36:54
